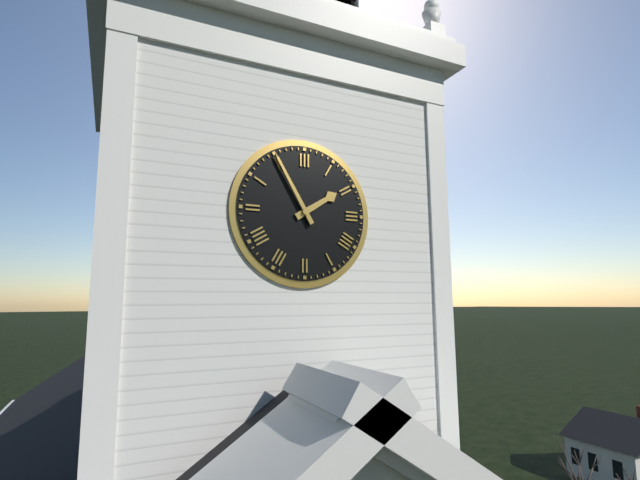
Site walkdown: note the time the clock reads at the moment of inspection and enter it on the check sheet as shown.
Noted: 1:55
